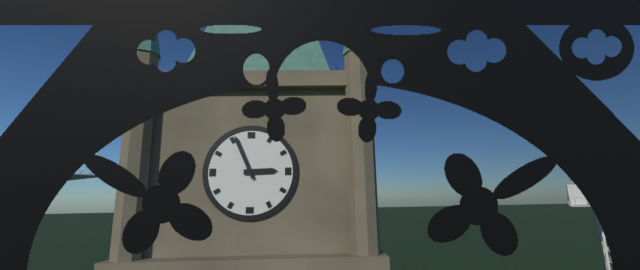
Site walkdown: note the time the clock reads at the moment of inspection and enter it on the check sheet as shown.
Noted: 2:56
